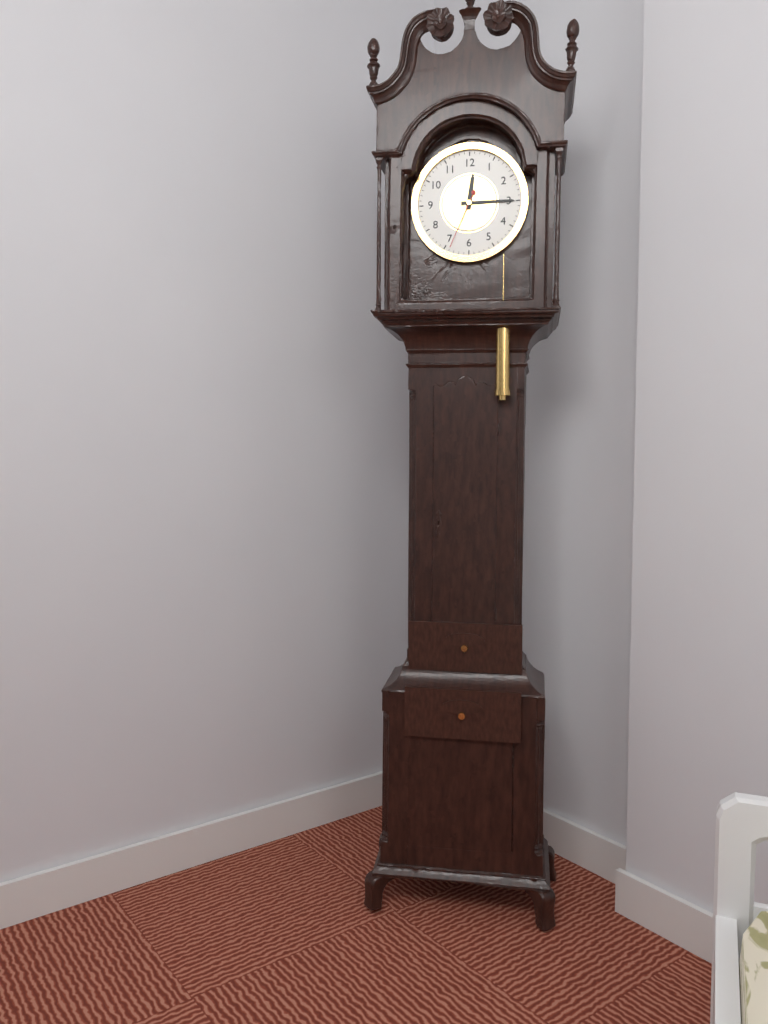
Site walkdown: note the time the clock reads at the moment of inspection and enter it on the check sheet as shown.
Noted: 12:15:34
